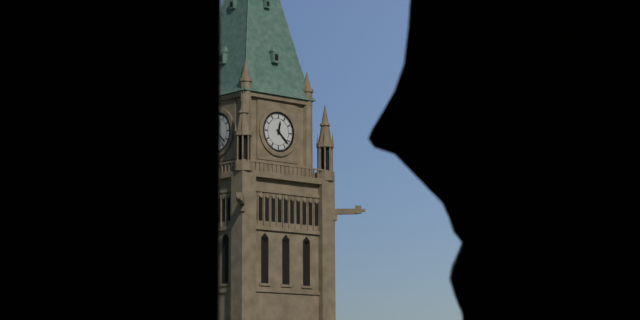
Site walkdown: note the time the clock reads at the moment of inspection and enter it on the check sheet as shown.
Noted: 12:22
